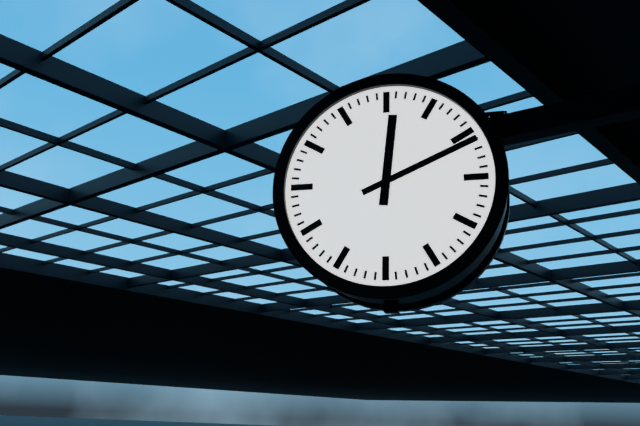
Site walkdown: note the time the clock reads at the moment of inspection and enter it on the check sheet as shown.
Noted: 12:11
